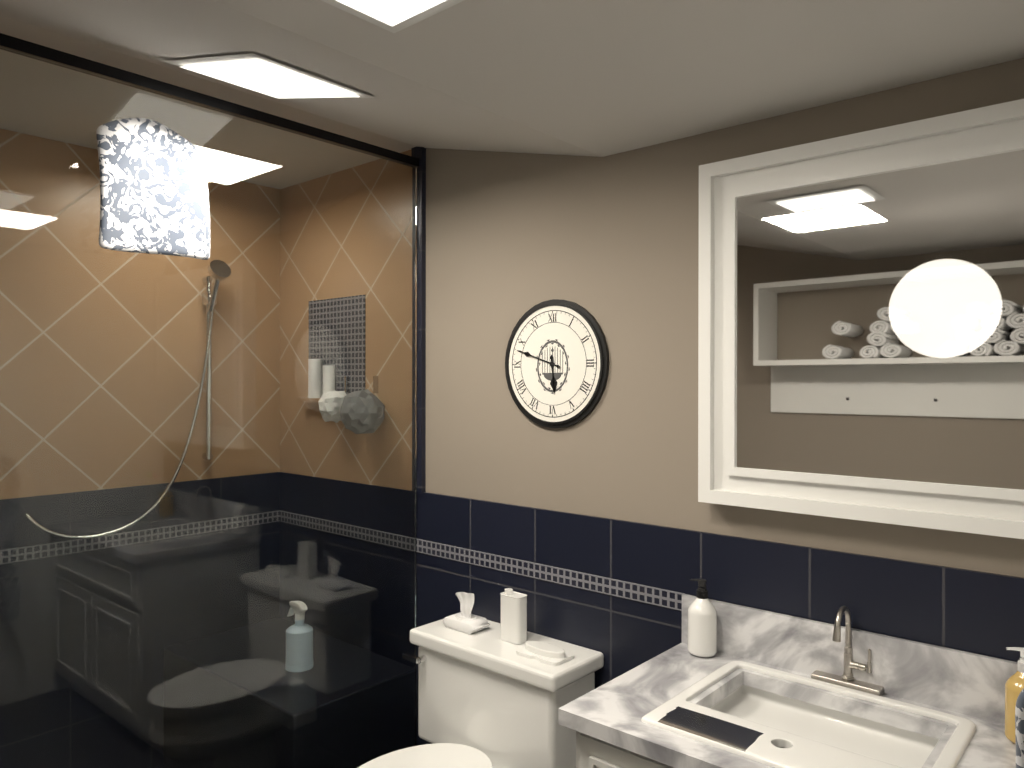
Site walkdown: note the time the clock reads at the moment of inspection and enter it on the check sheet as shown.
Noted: 5:48
